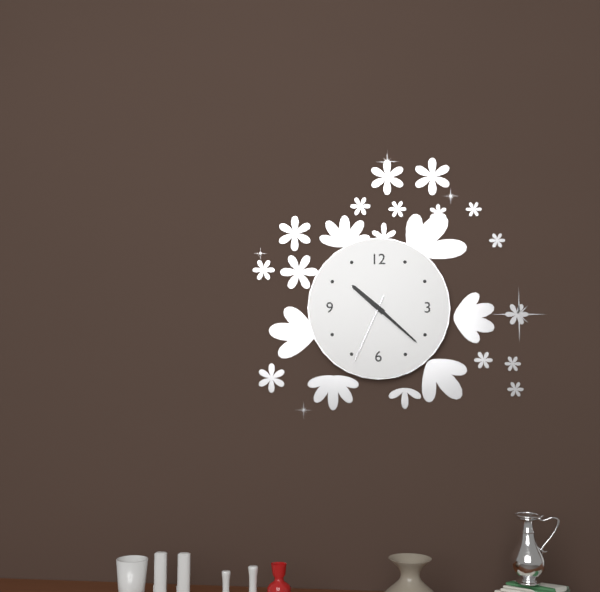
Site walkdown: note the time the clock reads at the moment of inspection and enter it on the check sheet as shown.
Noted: 10:22:34
